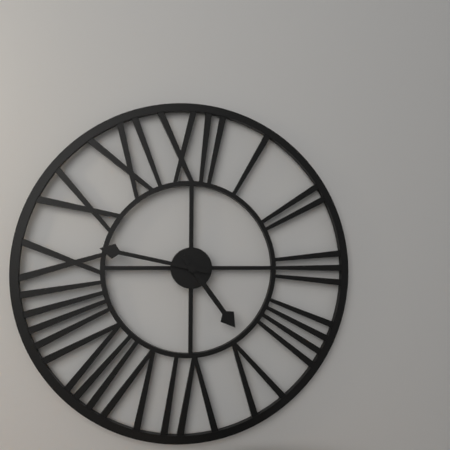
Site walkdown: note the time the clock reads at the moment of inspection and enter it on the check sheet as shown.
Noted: 4:47
